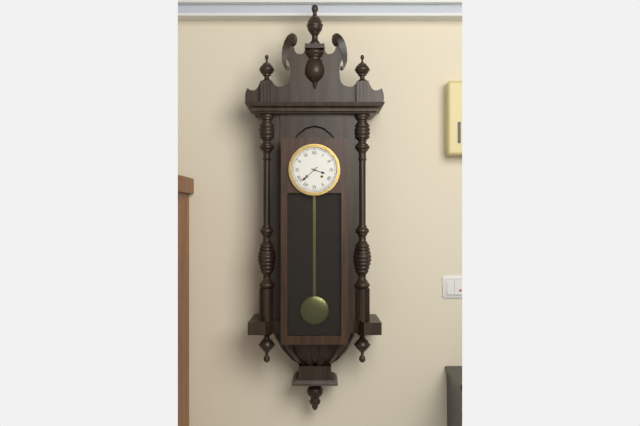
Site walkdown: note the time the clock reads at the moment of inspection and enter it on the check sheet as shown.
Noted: 3:38
